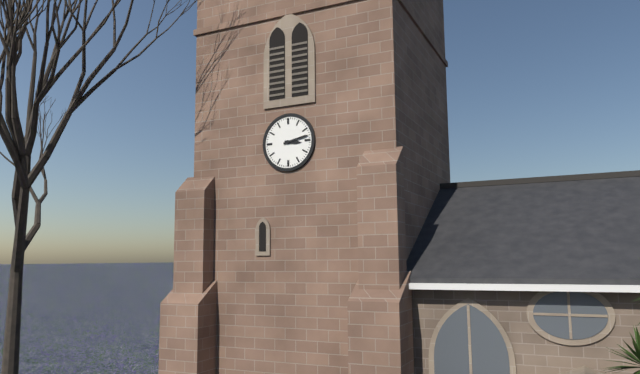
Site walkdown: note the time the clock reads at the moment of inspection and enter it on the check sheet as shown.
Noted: 3:13
